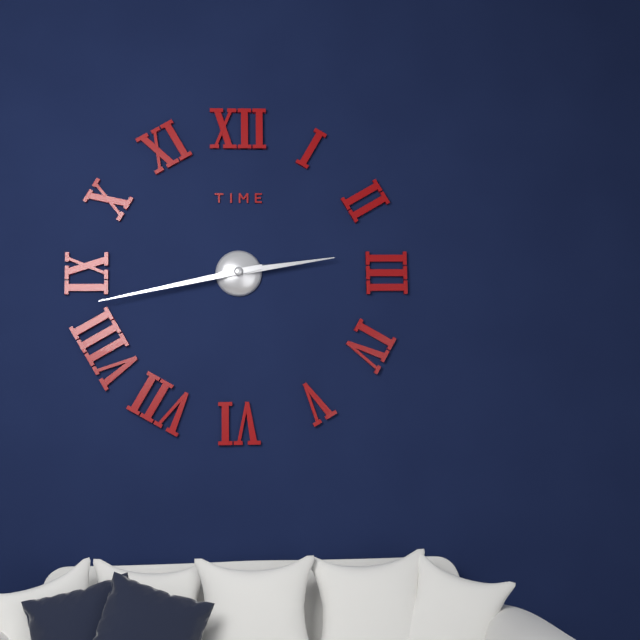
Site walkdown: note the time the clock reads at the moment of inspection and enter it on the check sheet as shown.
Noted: 2:43
